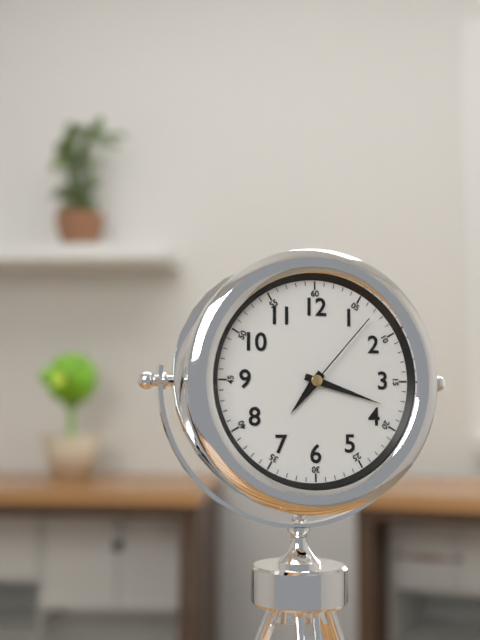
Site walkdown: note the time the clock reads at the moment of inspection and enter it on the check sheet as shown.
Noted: 7:18:07
